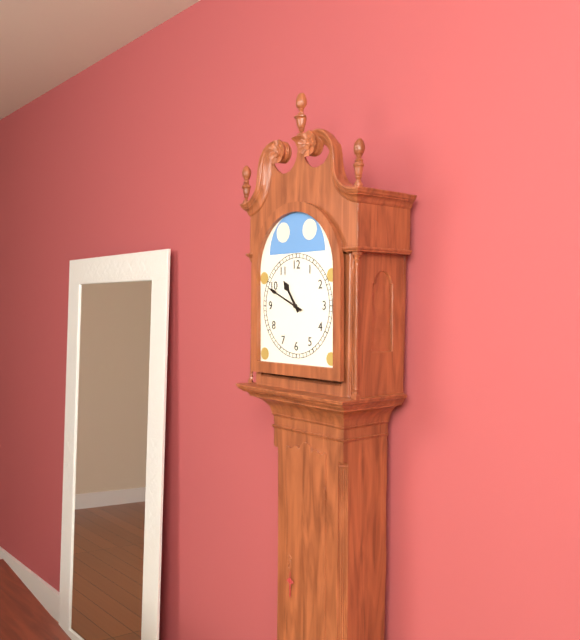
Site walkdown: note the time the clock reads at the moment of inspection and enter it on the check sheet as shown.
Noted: 10:49
